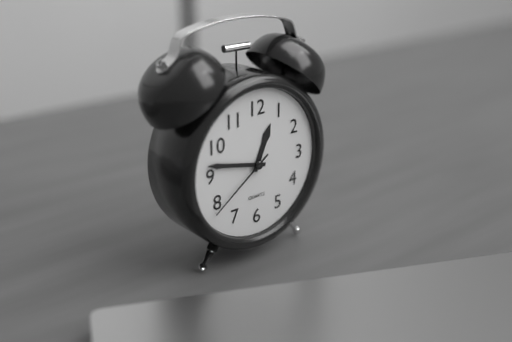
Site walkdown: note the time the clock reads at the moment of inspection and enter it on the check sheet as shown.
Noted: 12:47:39
